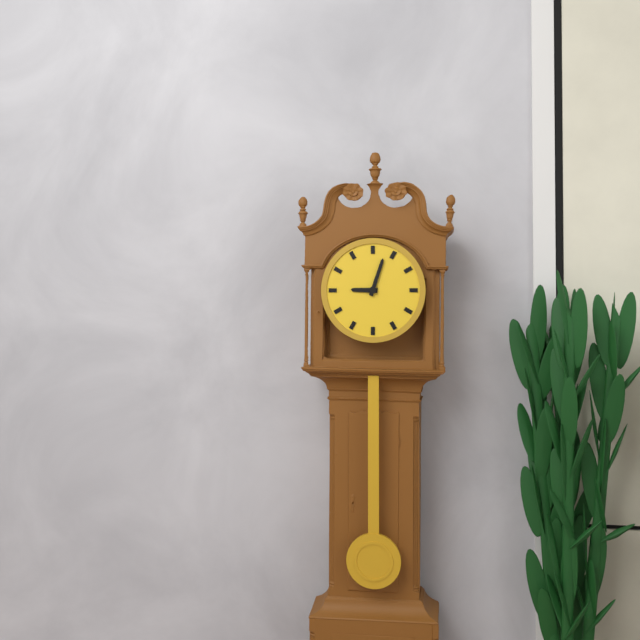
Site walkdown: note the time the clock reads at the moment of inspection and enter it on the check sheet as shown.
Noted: 9:03
